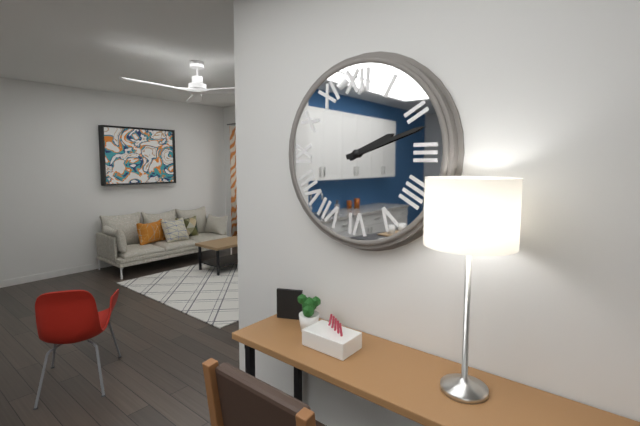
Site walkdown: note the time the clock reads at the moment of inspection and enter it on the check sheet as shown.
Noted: 2:12
